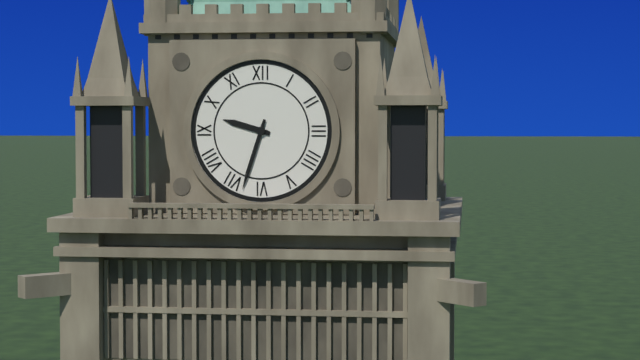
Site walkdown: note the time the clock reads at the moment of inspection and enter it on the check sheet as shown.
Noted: 9:33
